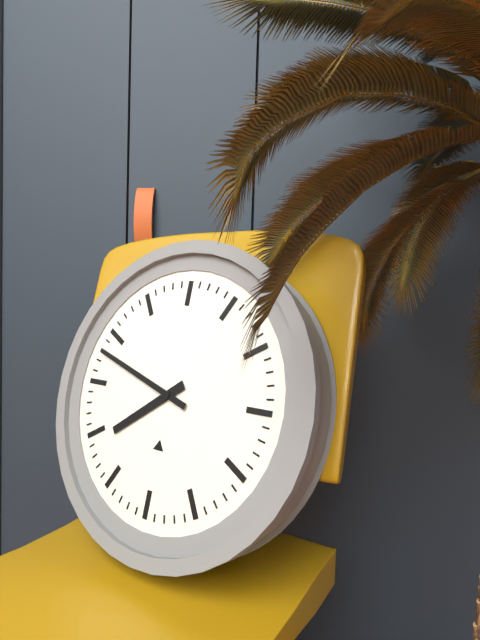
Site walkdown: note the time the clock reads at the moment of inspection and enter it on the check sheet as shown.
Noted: 7:48
